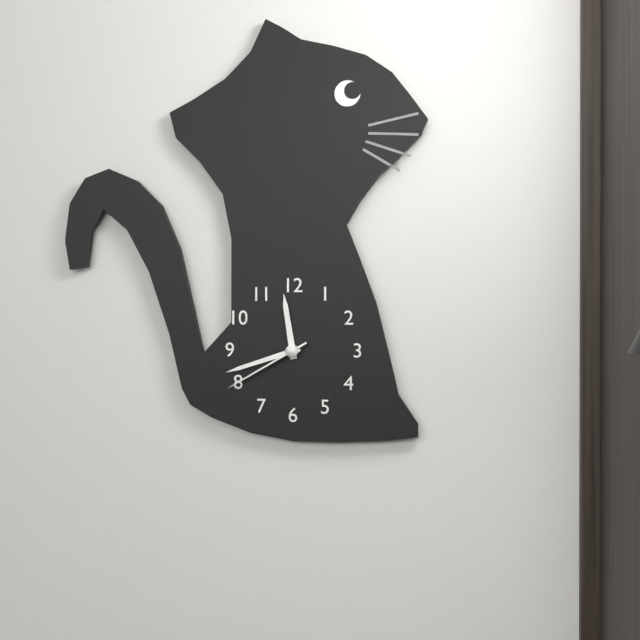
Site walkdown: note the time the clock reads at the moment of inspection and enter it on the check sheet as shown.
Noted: 11:42:40
